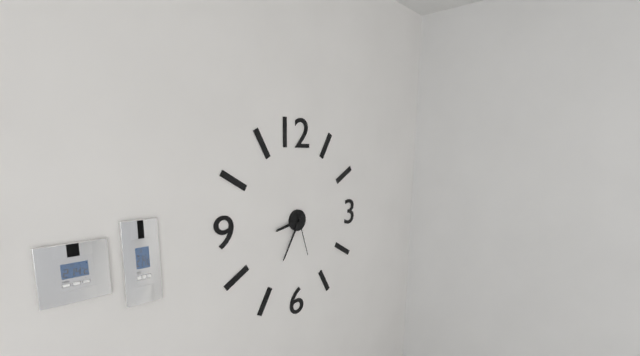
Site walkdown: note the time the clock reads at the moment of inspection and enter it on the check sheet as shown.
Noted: 8:35
